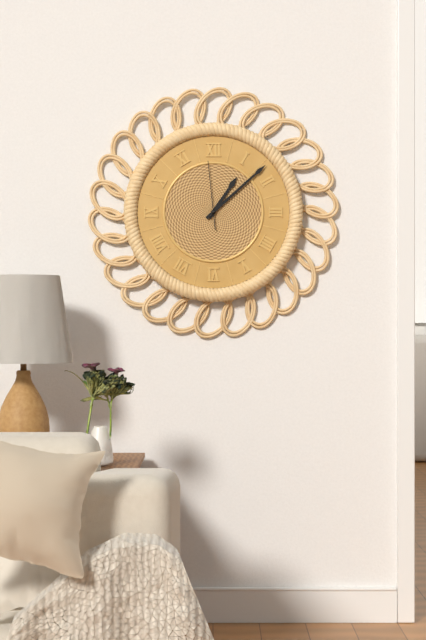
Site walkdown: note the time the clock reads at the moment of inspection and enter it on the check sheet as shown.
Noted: 1:08:59
